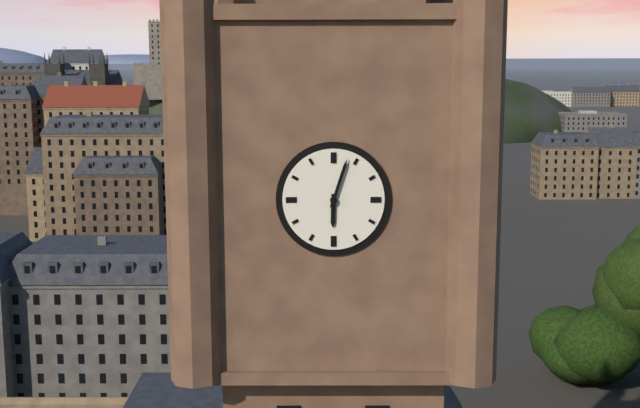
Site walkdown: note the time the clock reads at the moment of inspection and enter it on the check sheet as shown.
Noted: 6:03
